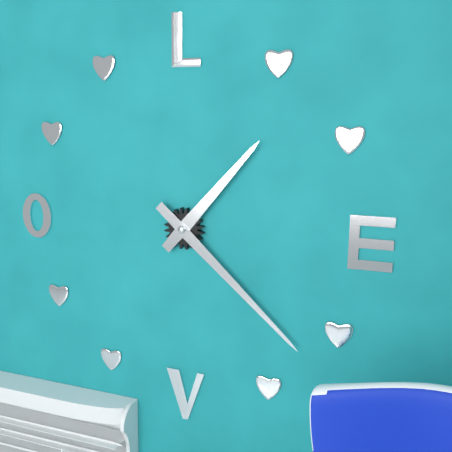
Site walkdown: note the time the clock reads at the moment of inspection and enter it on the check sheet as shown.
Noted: 1:22
